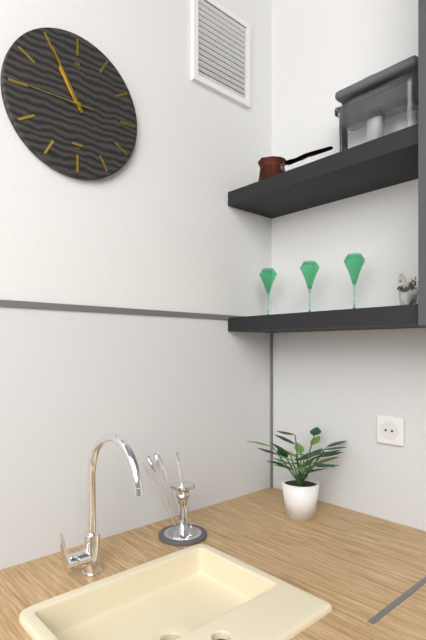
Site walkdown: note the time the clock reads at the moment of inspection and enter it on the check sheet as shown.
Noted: 10:55:45
